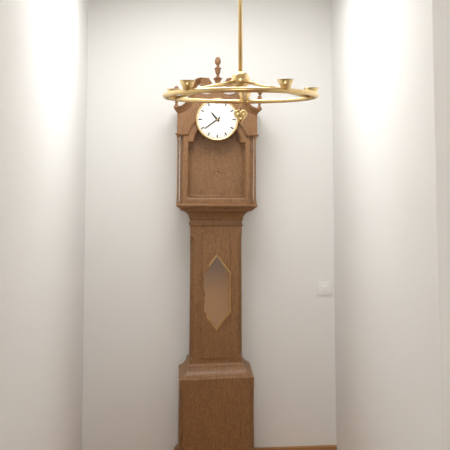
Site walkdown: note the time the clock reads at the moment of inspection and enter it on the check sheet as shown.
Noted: 10:39
